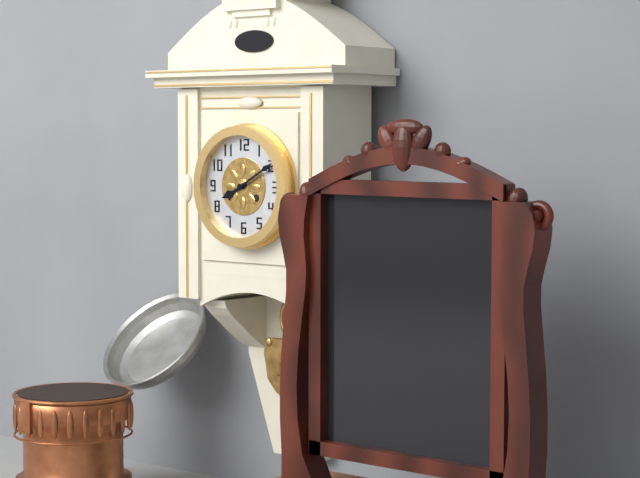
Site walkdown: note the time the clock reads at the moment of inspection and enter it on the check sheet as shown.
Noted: 8:10
